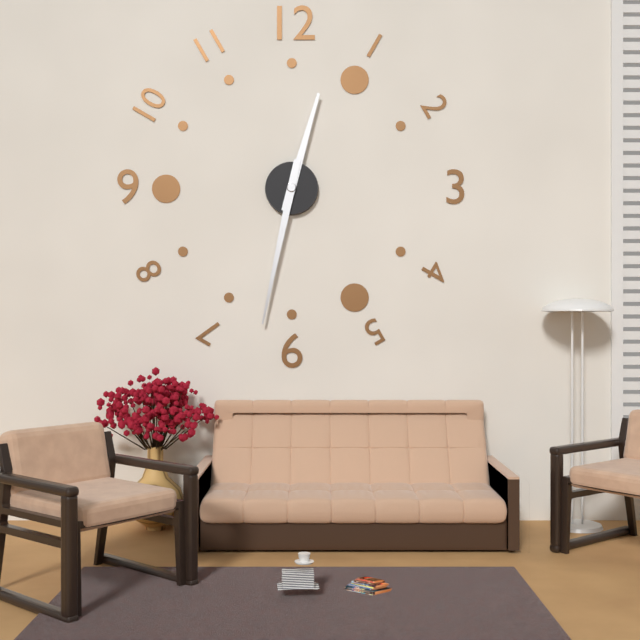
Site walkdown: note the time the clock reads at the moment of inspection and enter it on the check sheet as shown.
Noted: 12:32
